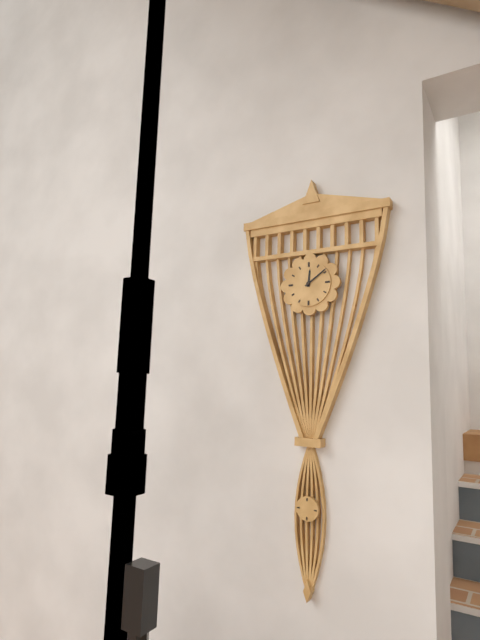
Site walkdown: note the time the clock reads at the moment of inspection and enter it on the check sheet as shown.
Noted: 12:09
